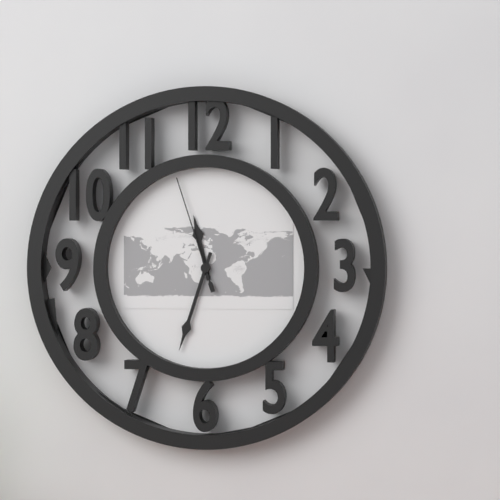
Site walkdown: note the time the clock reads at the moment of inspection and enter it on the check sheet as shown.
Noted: 11:33:57
